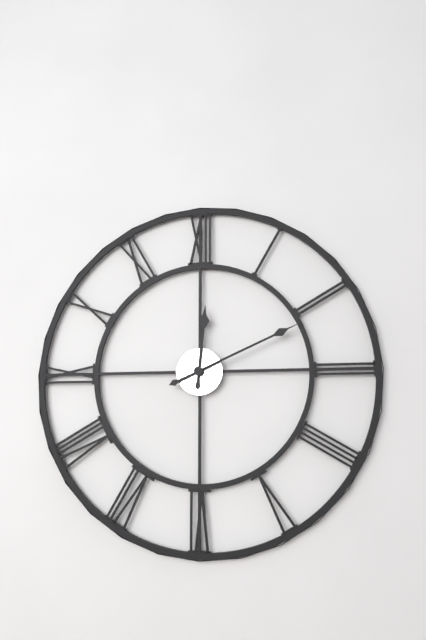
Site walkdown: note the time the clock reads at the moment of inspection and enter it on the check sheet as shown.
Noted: 12:11
